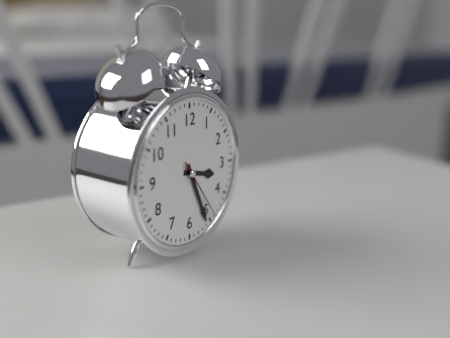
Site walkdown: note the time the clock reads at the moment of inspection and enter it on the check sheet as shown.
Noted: 3:26:24
